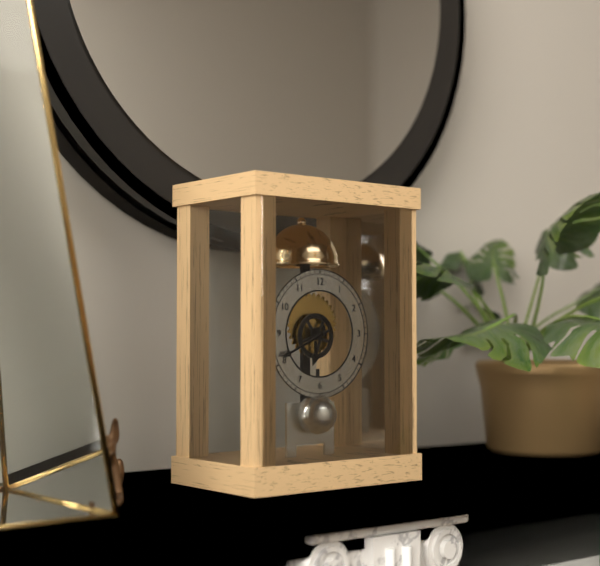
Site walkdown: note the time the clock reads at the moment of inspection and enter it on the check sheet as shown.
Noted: 6:41
